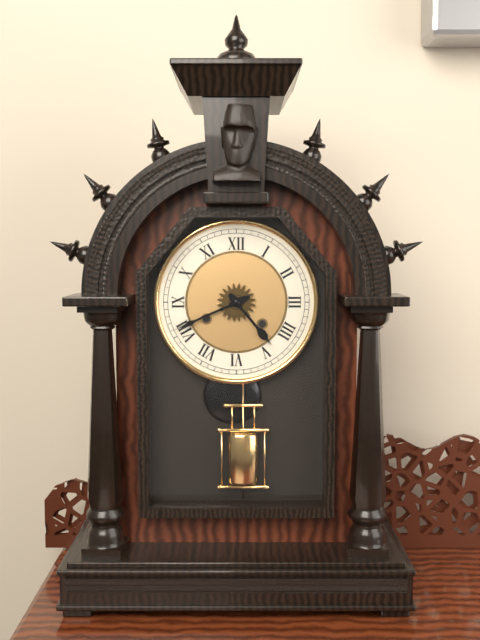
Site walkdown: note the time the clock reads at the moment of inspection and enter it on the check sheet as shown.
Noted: 4:41
